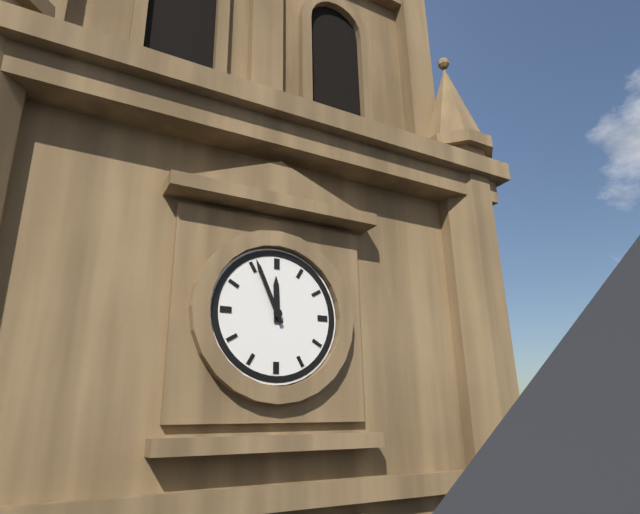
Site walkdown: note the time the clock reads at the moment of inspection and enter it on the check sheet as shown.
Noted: 11:56
